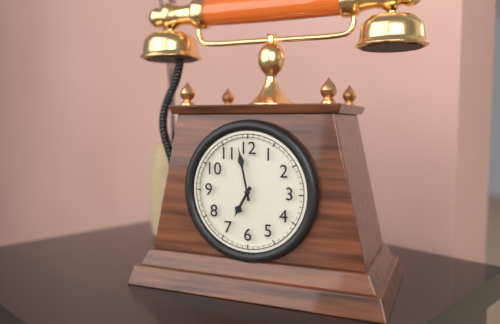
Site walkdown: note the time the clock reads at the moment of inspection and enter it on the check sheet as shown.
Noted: 6:58
